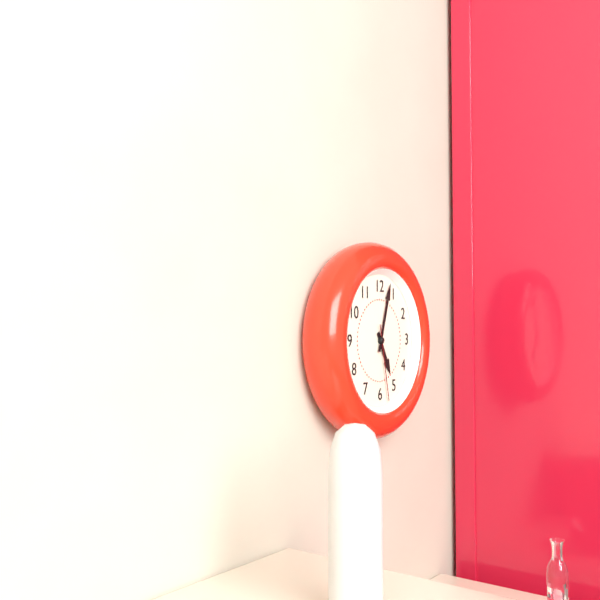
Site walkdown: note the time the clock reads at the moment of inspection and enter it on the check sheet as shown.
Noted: 5:03:28
